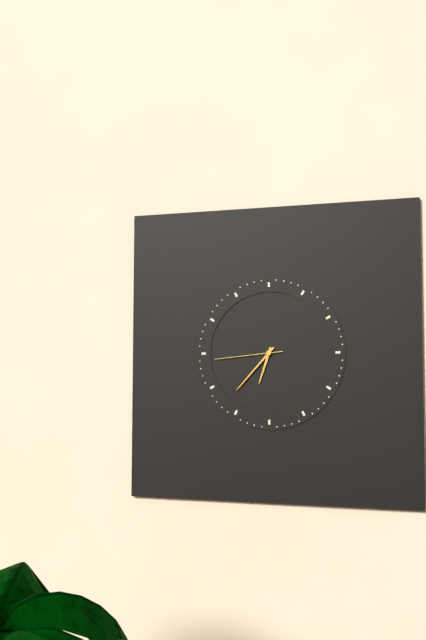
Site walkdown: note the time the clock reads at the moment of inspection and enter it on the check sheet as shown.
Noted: 6:37:44
